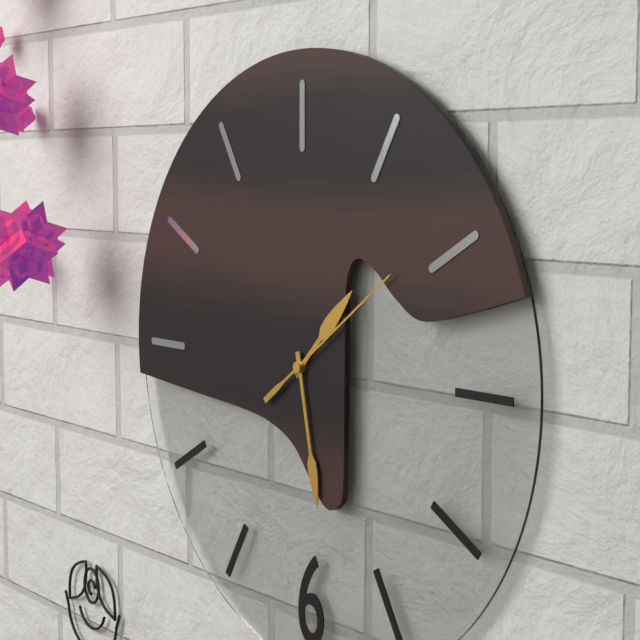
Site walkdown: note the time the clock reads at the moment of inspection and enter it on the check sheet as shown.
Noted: 1:28:09
